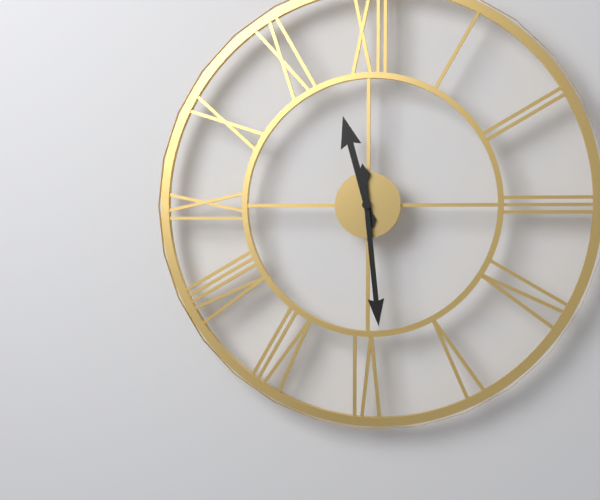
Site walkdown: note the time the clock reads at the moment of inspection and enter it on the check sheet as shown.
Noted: 11:29
